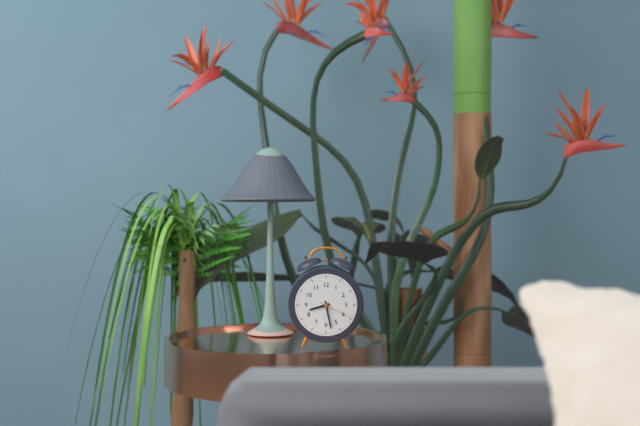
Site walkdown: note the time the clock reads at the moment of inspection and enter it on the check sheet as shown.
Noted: 8:28
